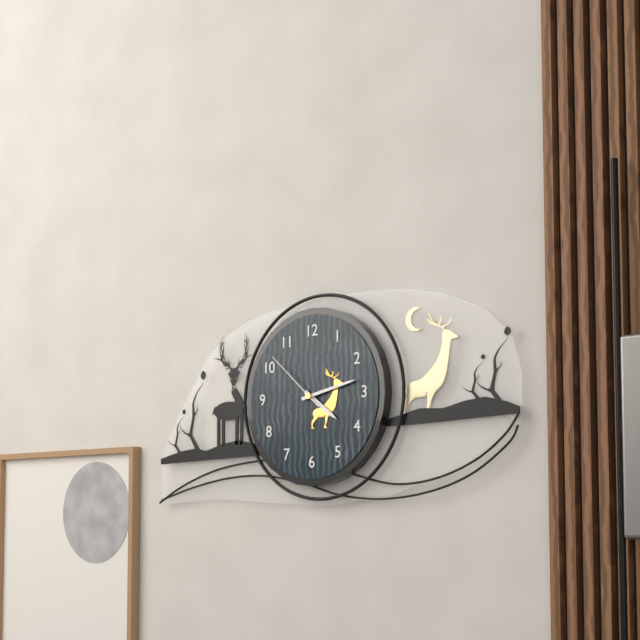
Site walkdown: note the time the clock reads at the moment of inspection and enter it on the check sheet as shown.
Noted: 4:13:52
